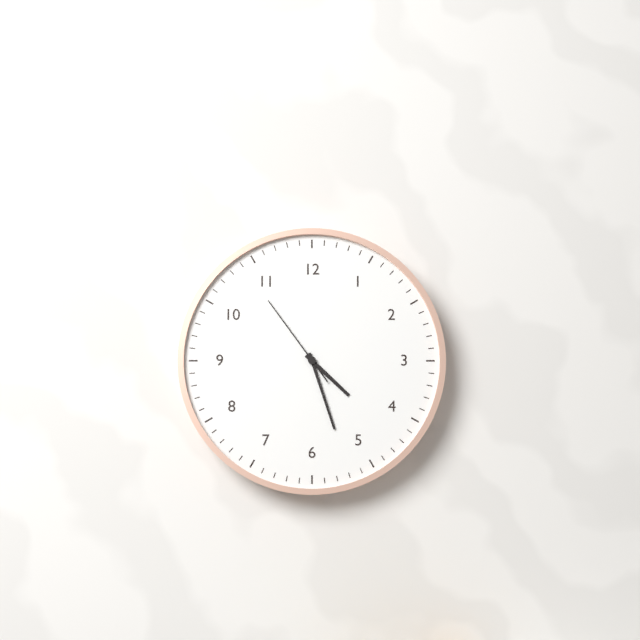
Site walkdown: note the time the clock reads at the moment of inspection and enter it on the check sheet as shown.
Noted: 4:27:54
